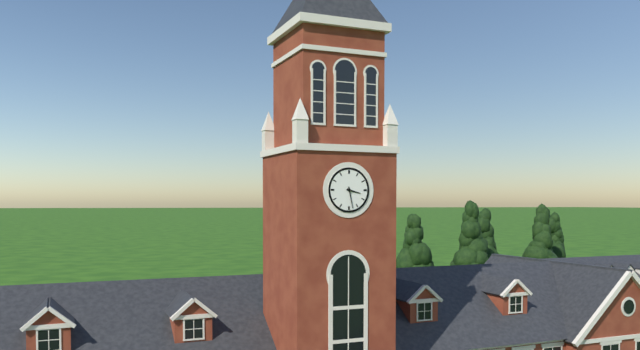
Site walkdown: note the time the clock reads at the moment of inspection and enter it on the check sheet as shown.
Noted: 3:28
